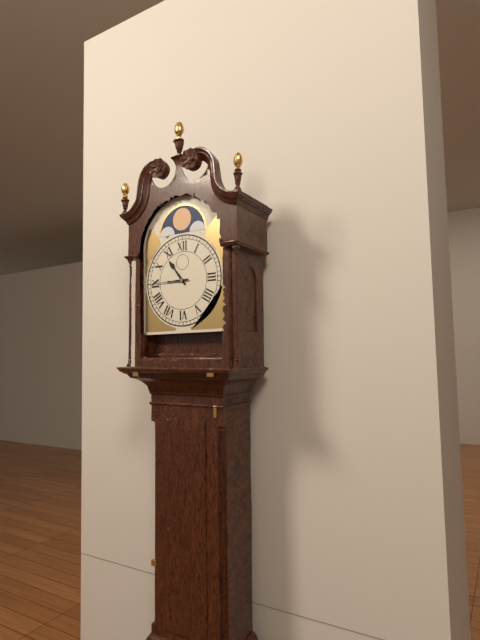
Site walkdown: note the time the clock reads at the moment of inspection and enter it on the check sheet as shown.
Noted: 10:45
